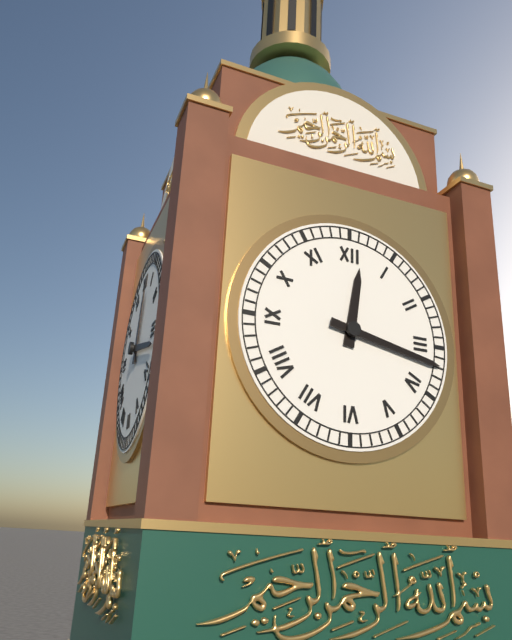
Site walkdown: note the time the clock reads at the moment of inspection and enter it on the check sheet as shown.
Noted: 12:17
